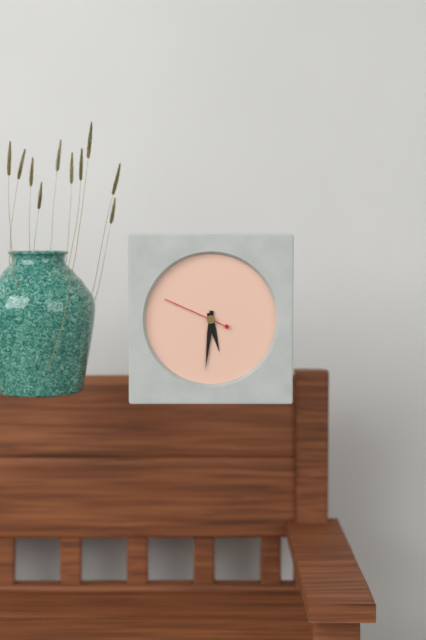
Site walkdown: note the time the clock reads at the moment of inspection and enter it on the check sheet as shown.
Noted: 5:31:49
